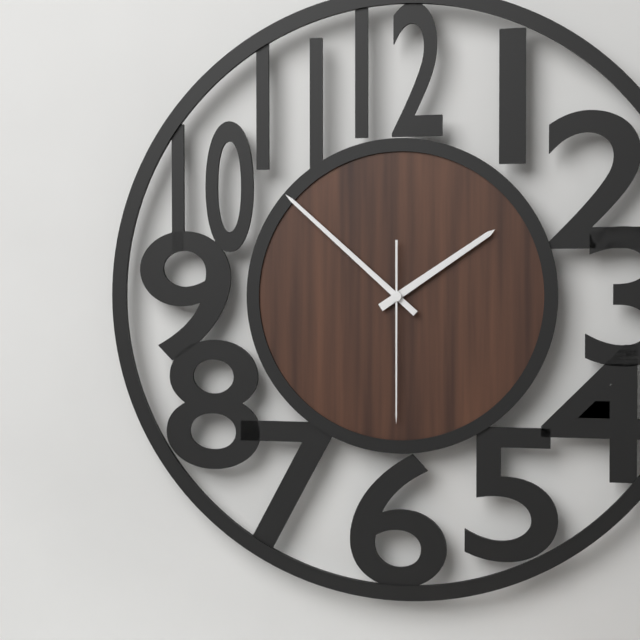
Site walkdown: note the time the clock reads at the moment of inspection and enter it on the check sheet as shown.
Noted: 1:52:30
